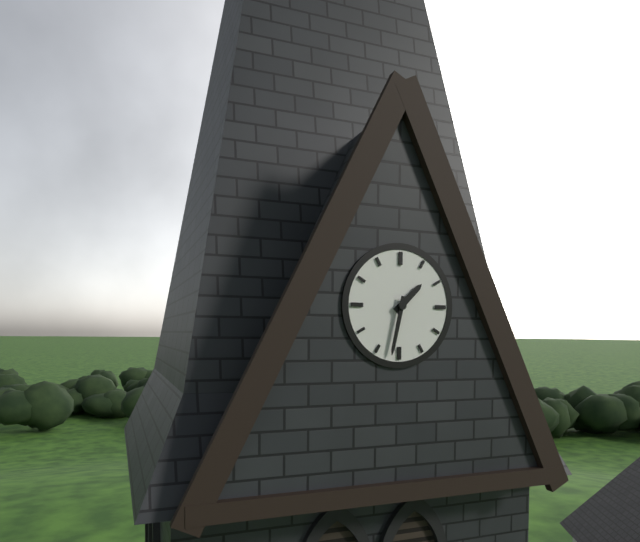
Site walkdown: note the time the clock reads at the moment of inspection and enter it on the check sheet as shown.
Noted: 1:32
